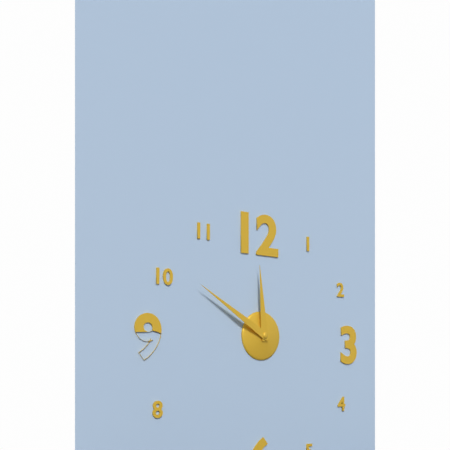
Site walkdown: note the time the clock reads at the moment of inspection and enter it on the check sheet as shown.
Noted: 11:50
